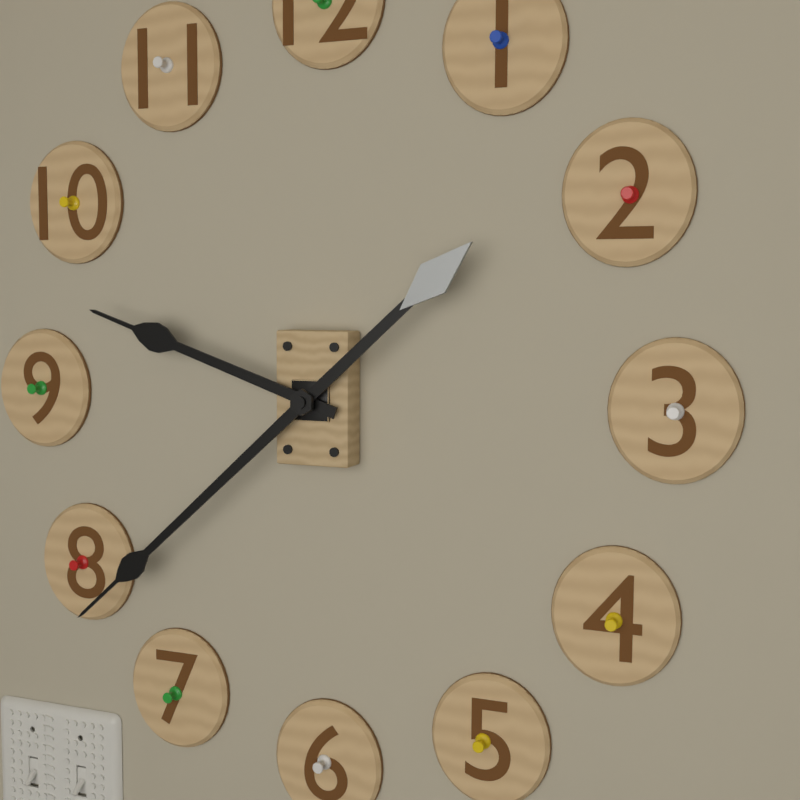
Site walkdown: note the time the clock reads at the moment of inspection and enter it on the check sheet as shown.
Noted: 9:38
